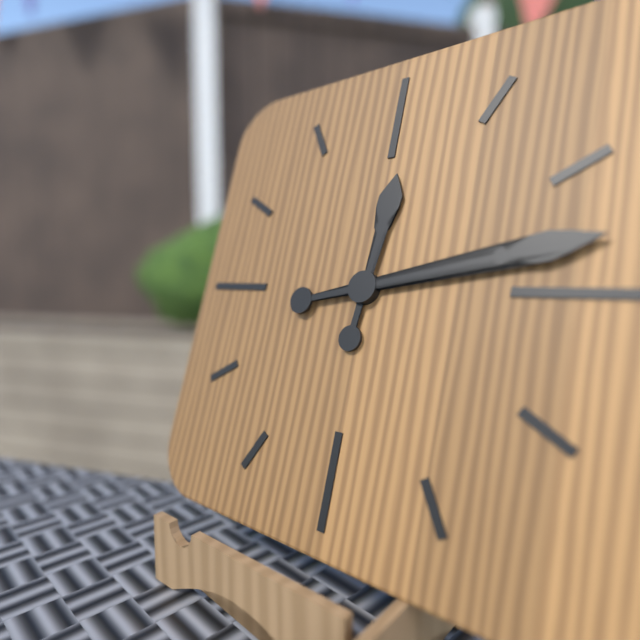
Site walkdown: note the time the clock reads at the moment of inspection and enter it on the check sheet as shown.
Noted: 12:13
